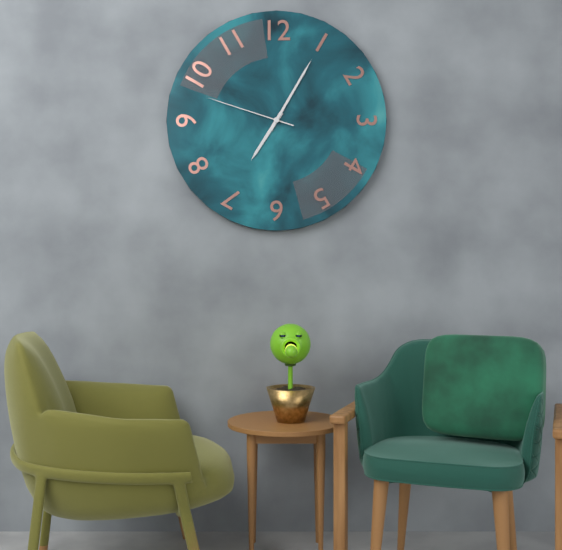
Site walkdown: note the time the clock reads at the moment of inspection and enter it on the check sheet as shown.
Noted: 7:05:48
